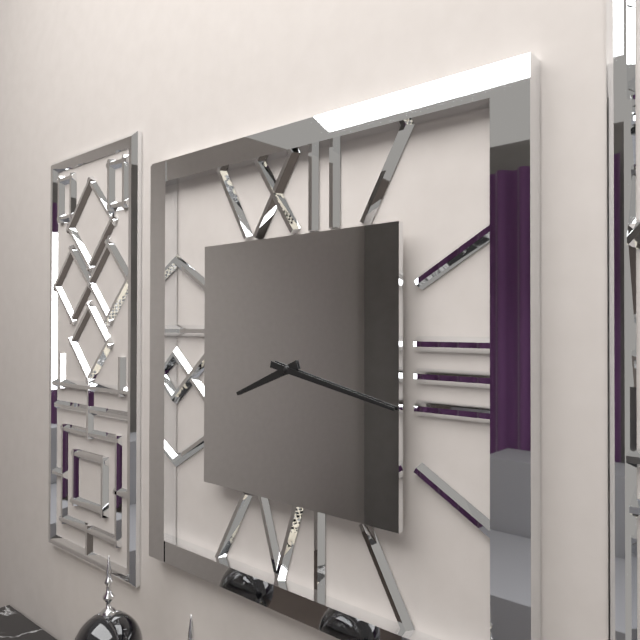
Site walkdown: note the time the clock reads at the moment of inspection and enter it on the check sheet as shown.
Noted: 8:17
